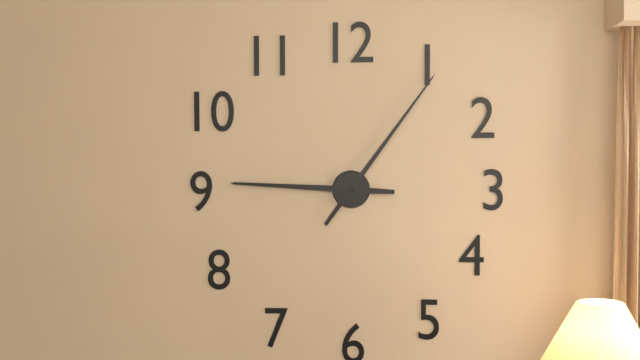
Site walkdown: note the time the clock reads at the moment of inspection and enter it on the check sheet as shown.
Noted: 9:06
